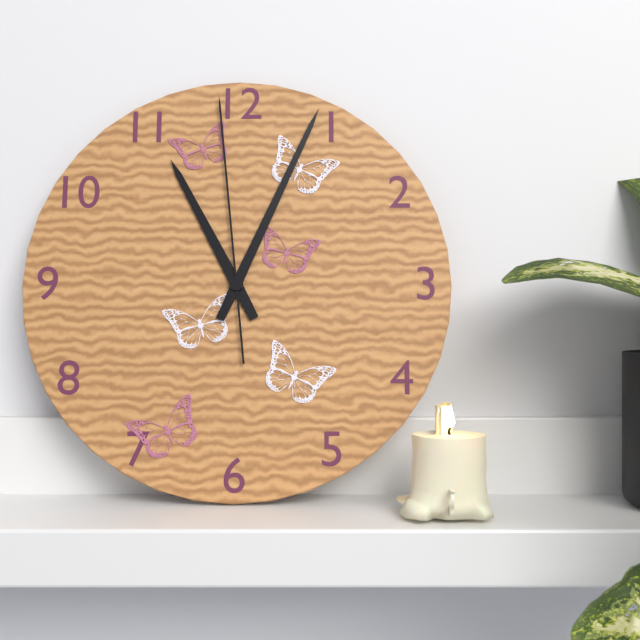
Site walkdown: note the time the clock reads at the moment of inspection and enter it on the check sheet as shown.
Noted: 11:04:59
